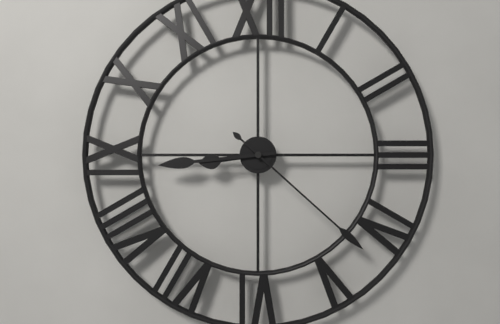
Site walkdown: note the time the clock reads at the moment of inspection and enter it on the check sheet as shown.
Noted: 8:44:22
